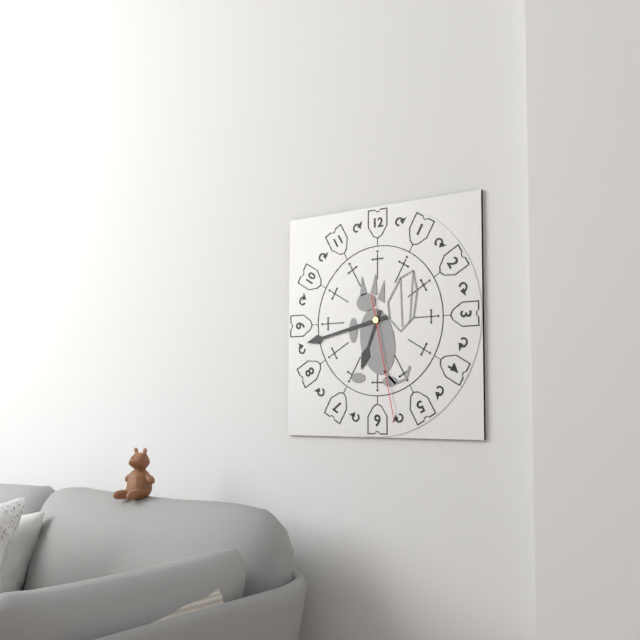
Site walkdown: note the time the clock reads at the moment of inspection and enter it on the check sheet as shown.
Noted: 6:43:28
